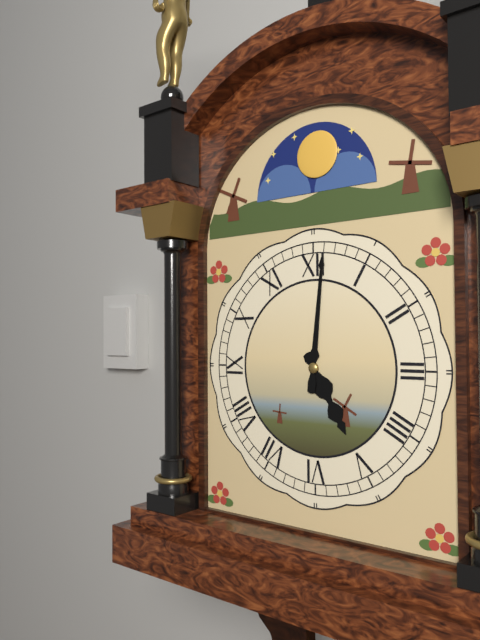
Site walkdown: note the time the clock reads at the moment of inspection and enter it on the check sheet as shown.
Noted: 5:01
